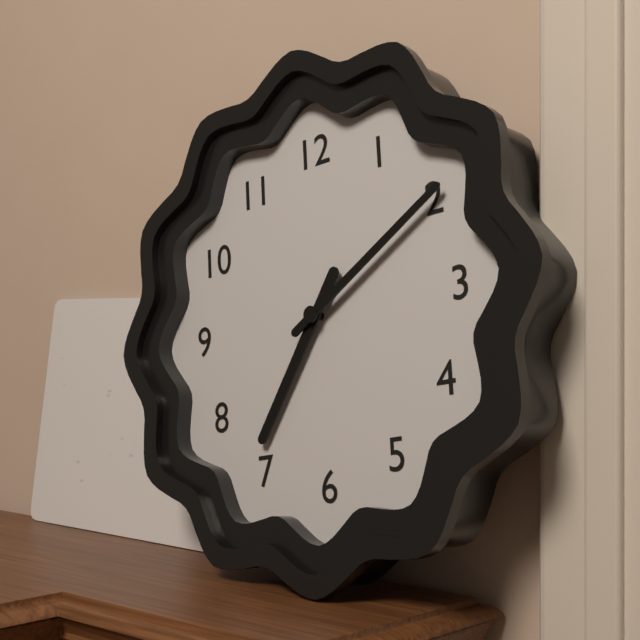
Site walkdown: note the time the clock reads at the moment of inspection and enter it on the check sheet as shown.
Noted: 7:10
